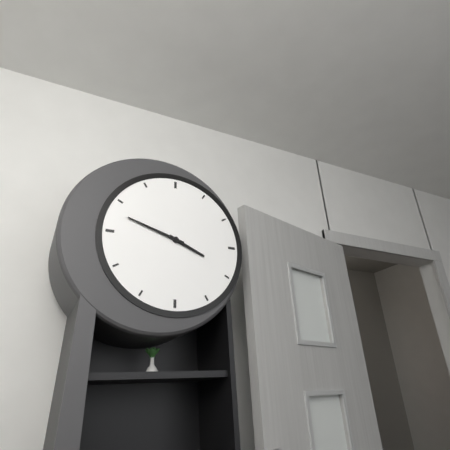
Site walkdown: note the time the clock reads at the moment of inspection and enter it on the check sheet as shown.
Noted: 3:48
